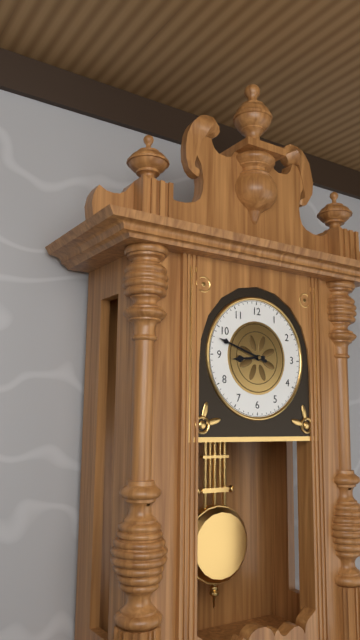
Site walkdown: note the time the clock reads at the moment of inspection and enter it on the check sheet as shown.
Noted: 8:48
